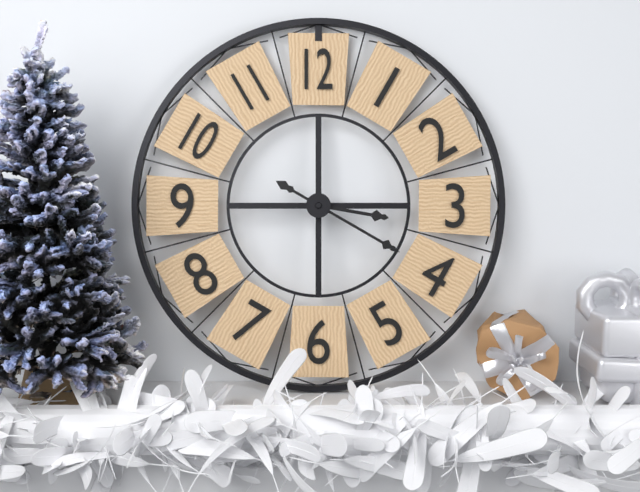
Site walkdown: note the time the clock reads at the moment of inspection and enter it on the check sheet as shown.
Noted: 3:20
